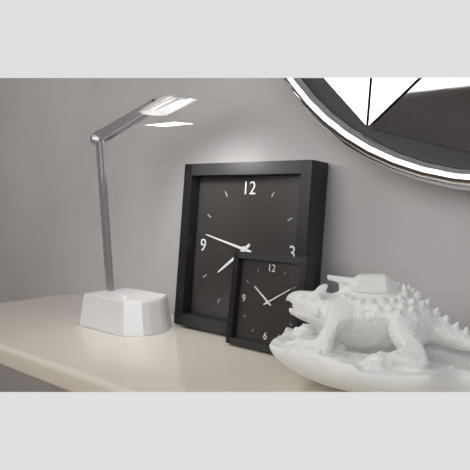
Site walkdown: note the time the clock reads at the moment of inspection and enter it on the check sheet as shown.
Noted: 7:47
